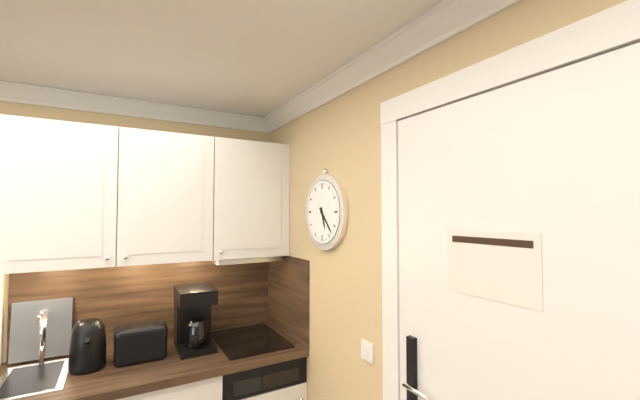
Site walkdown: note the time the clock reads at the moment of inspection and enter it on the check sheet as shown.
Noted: 5:23
